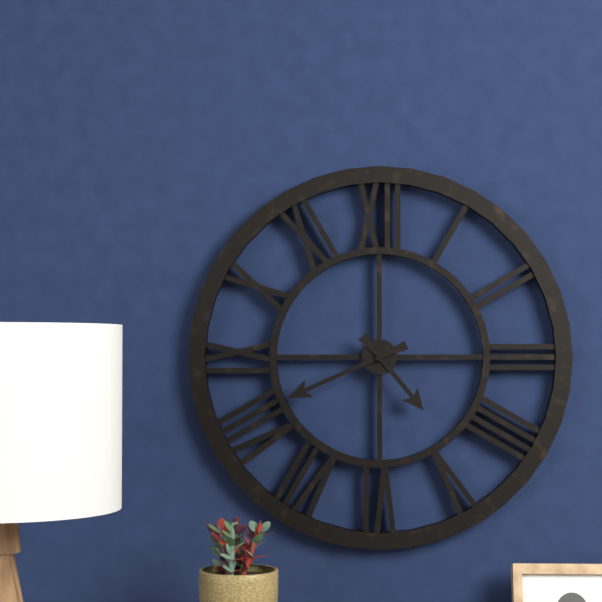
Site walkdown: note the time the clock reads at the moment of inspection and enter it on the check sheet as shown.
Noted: 4:41
